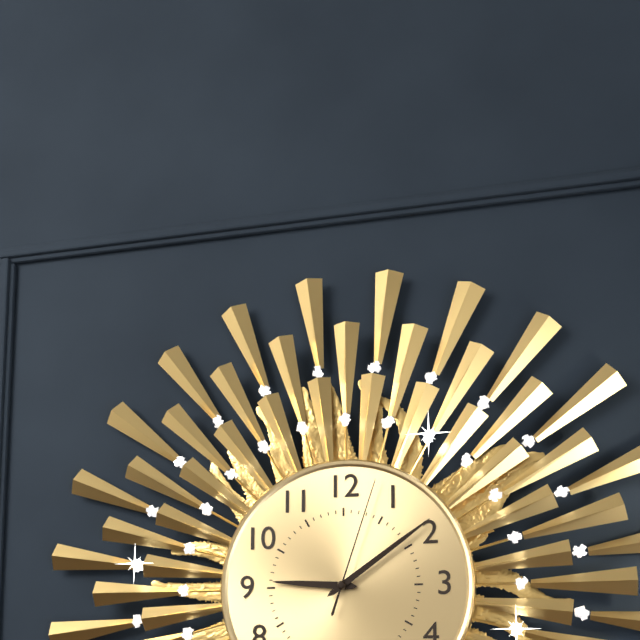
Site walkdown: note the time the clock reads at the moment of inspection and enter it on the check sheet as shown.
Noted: 9:09:03
